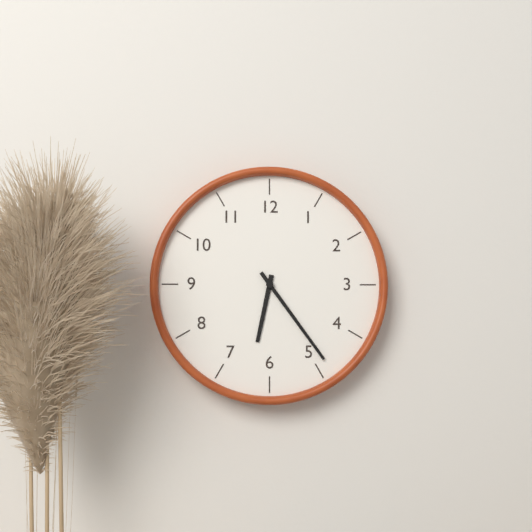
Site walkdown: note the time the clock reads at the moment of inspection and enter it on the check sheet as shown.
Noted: 6:24
